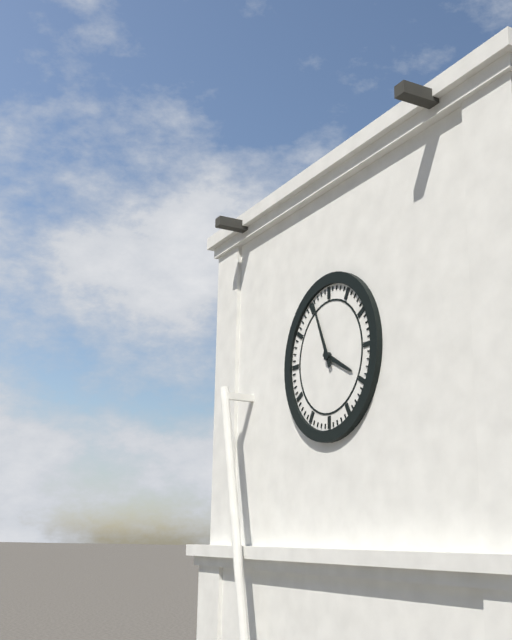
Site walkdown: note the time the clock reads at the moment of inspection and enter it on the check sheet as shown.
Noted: 3:56
